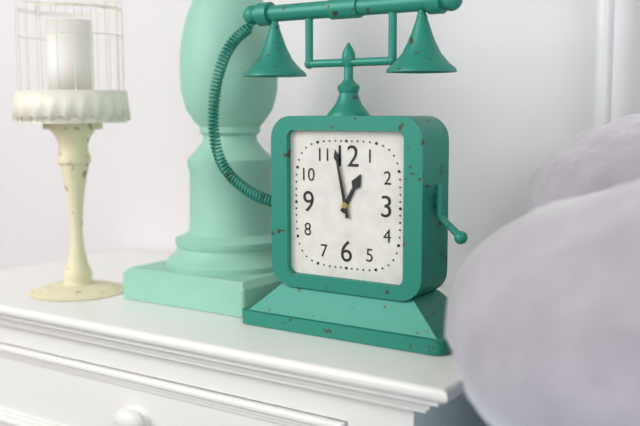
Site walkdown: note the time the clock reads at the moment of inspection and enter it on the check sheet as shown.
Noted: 12:58
